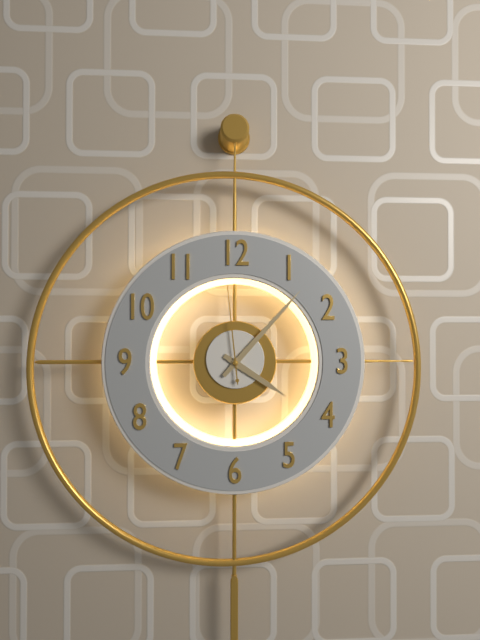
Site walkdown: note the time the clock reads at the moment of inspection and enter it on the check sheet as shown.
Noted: 4:07:59
